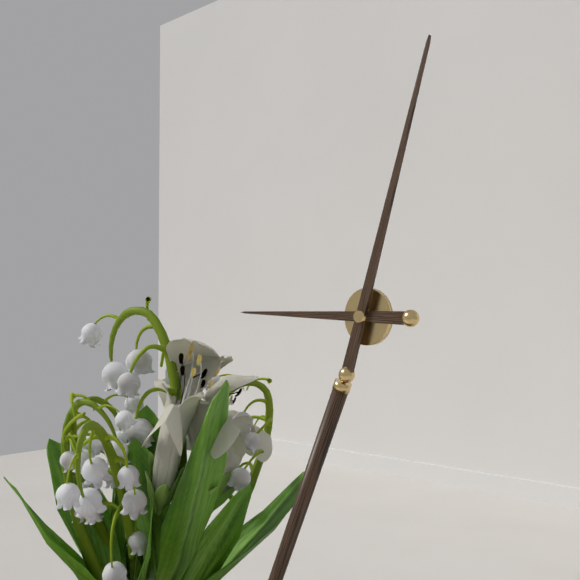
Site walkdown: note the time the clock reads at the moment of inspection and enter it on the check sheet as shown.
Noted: 9:03
